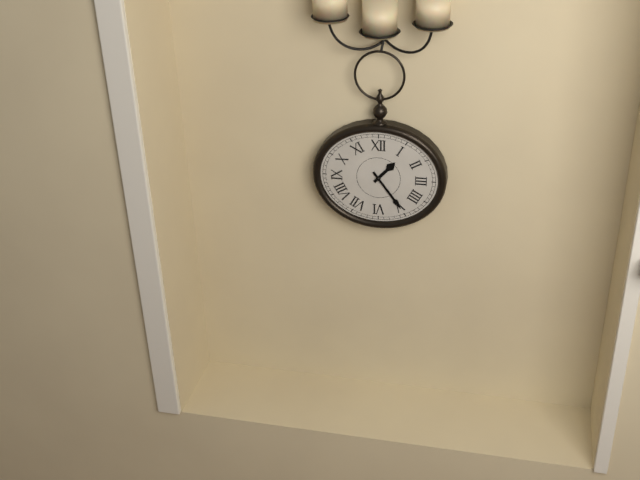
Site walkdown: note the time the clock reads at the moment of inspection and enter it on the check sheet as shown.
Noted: 1:24
